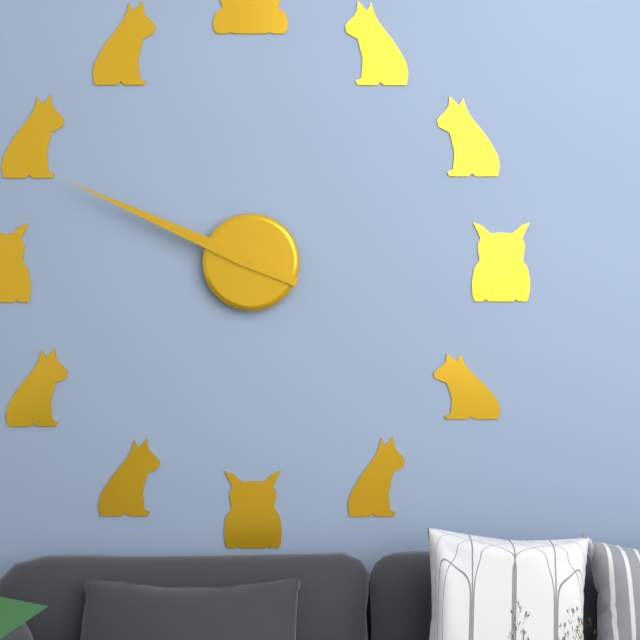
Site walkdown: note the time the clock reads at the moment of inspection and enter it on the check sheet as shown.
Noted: 9:49
